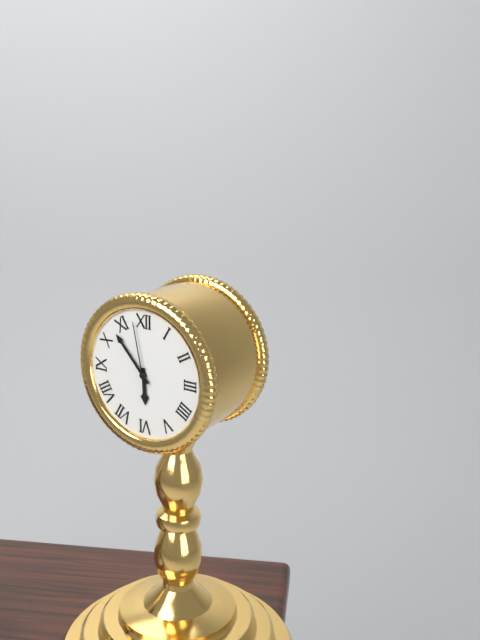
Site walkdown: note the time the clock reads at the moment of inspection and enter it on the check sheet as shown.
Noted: 5:53:58
